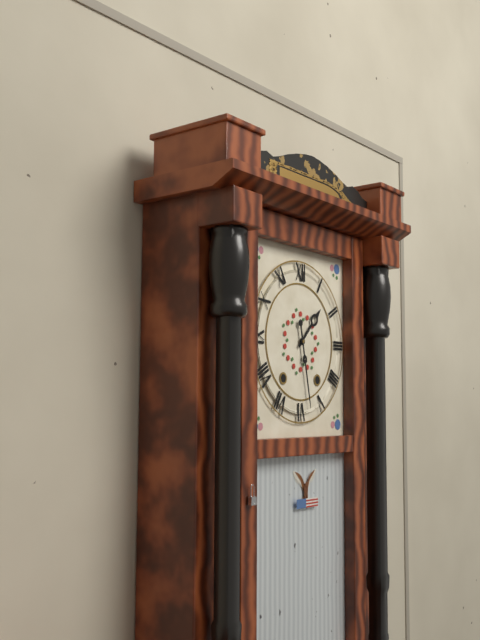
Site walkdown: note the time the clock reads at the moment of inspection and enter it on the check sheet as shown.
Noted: 1:28
